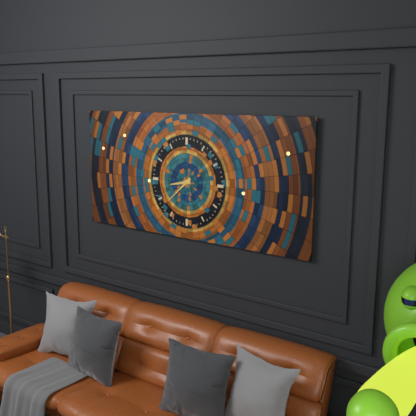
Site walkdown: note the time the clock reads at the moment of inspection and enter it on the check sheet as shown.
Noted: 8:38
